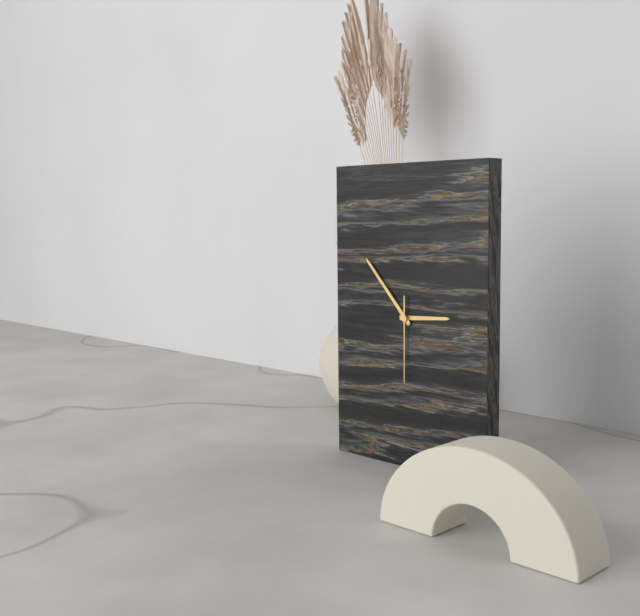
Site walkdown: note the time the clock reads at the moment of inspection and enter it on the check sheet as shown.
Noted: 2:53:30
